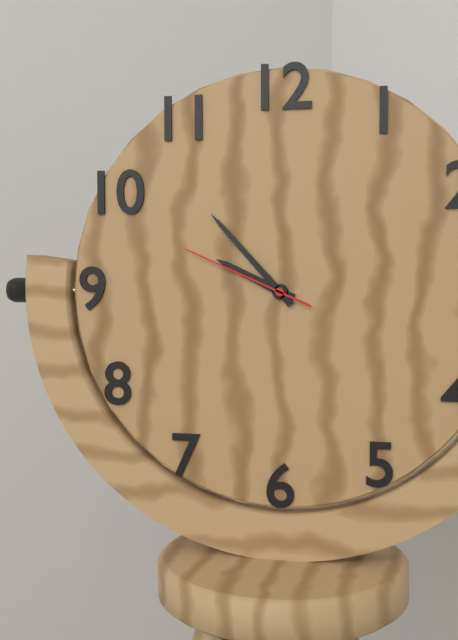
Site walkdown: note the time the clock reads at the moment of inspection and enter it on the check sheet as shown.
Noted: 9:53:49
